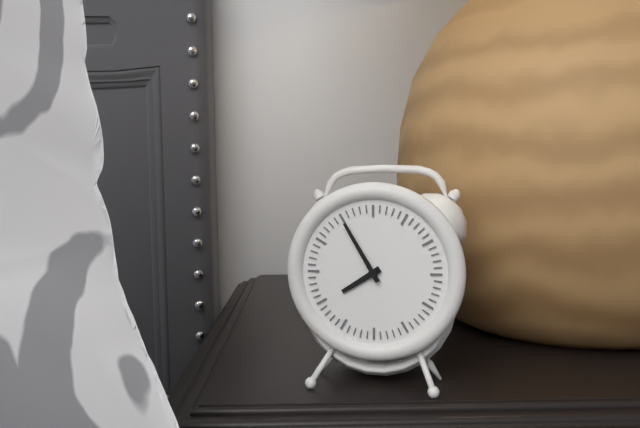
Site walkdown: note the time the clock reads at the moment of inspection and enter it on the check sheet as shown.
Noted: 7:55
